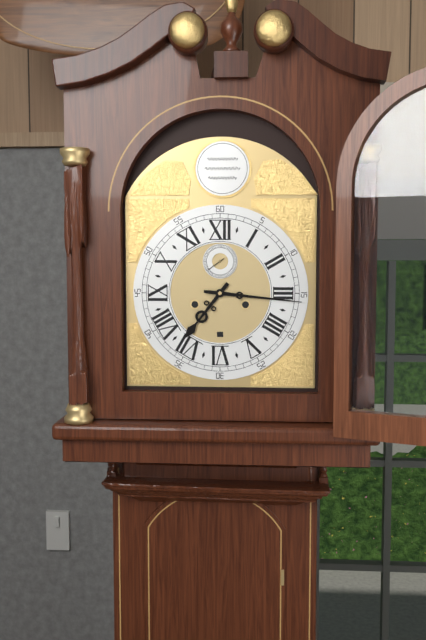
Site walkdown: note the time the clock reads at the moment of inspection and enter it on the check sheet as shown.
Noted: 7:16
